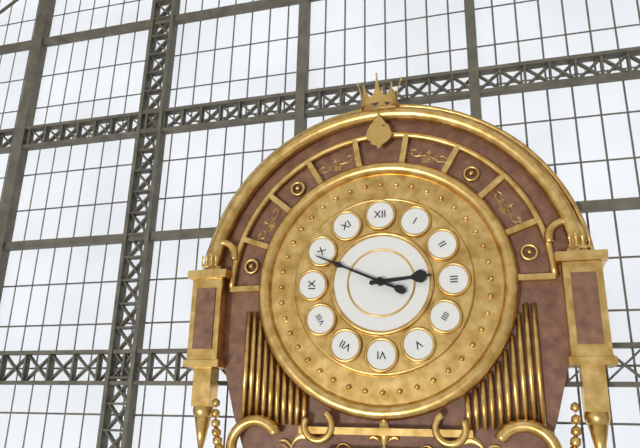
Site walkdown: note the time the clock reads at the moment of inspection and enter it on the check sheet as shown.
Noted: 2:49
